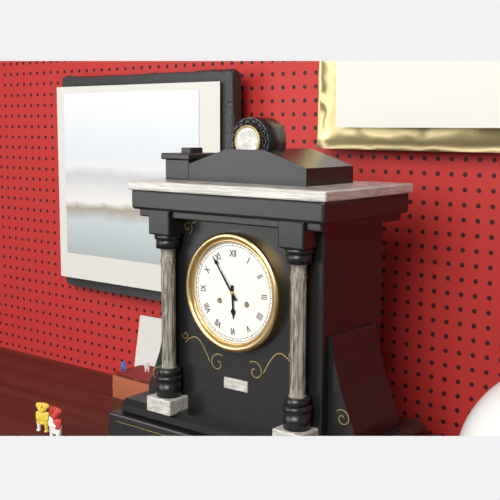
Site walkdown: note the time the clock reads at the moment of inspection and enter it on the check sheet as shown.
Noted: 5:54
